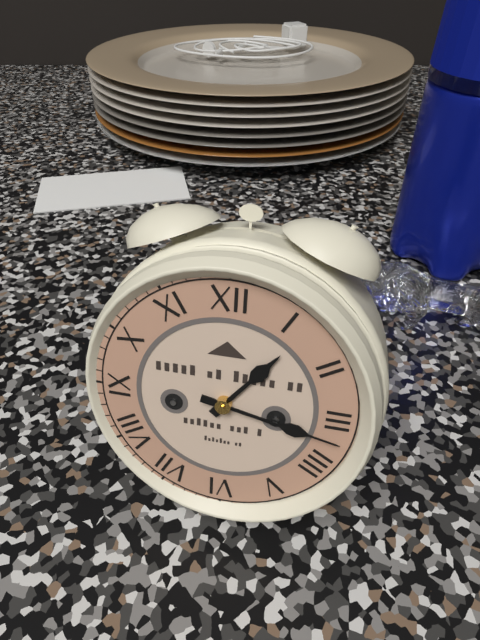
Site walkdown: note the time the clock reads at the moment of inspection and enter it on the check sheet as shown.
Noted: 1:17
